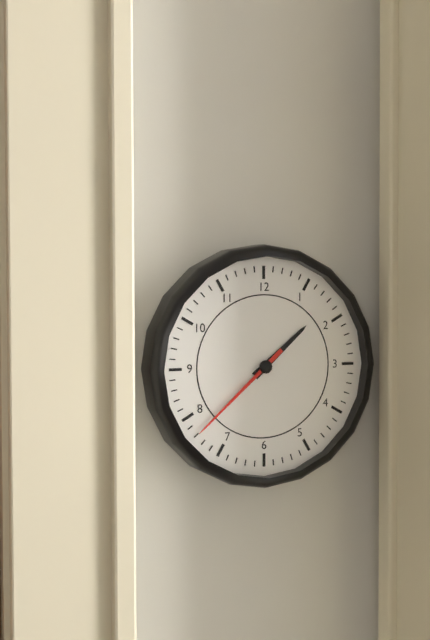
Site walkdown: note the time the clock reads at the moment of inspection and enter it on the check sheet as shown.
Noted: 1:38
